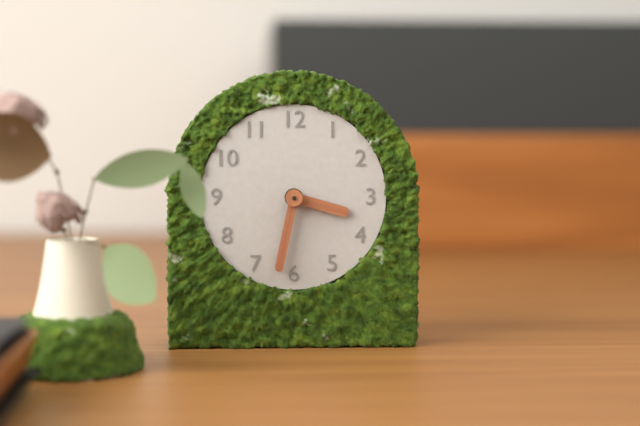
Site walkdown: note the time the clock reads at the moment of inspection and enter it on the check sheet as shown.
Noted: 3:32
